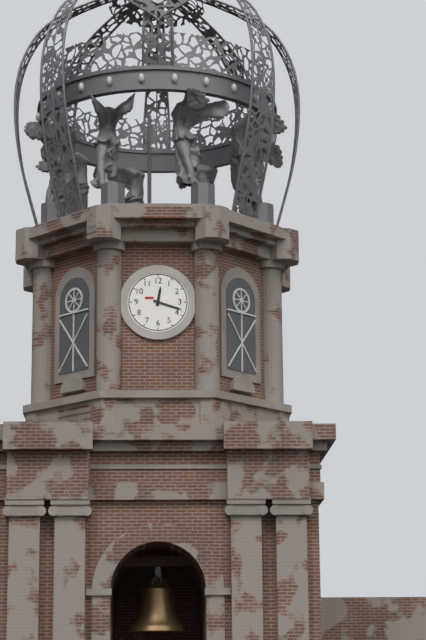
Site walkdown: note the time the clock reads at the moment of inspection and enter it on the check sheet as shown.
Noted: 12:18
